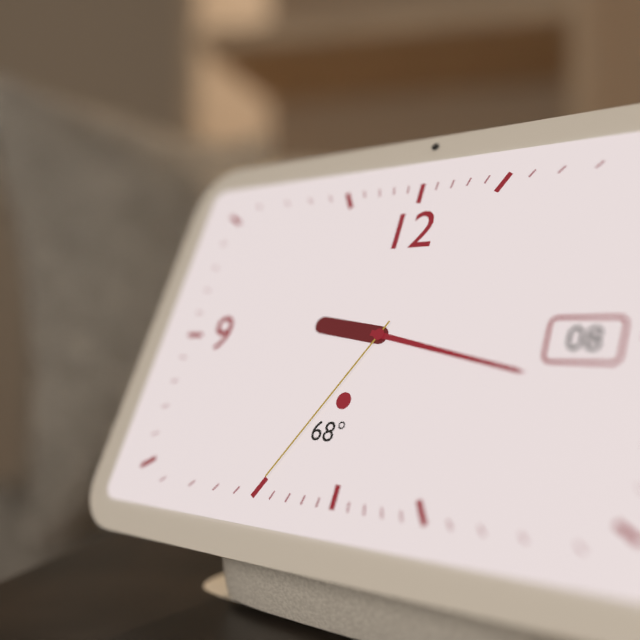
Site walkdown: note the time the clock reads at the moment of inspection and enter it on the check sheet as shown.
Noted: 9:17:35
